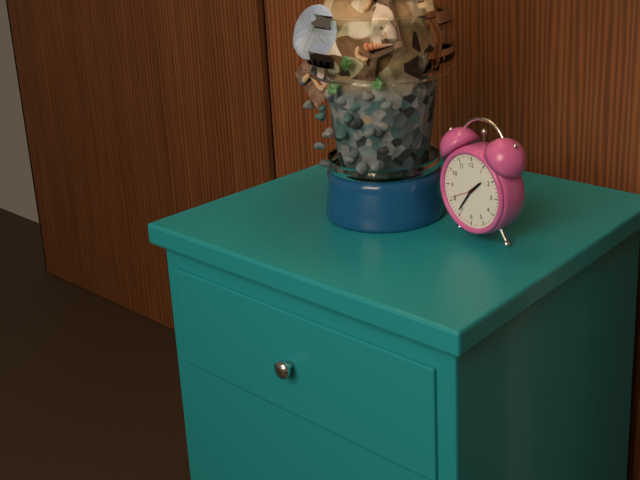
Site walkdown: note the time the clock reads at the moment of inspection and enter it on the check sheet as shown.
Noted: 1:36
